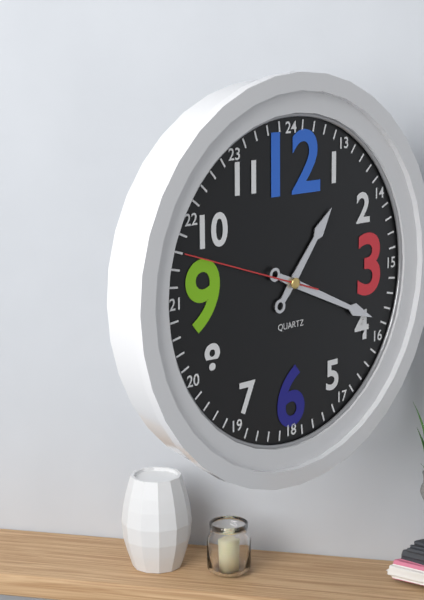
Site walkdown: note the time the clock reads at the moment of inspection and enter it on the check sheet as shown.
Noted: 1:19:48
